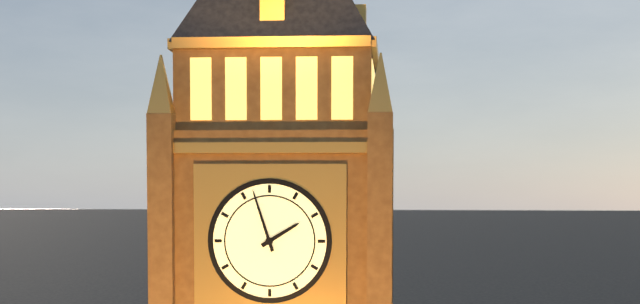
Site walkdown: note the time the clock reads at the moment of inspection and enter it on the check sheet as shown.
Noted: 1:57
